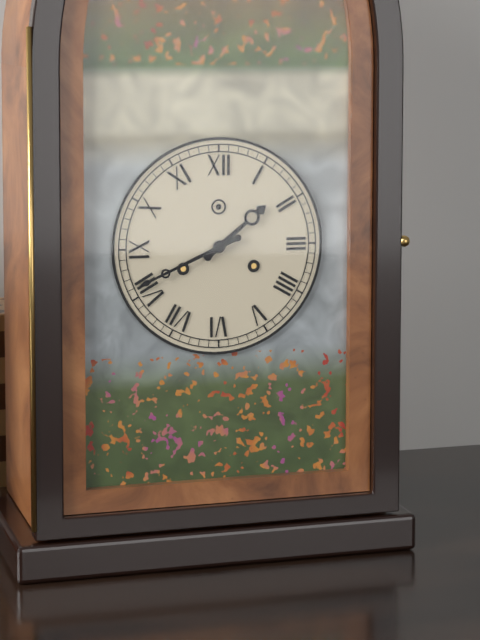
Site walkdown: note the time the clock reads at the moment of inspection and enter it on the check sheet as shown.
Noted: 1:41
